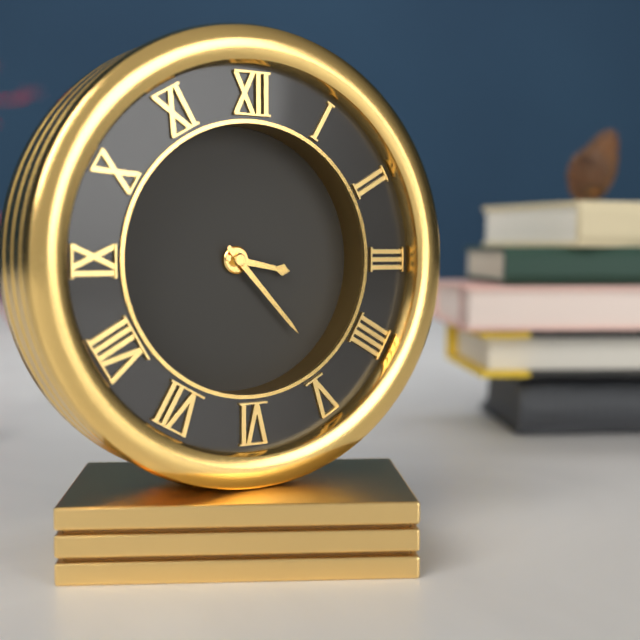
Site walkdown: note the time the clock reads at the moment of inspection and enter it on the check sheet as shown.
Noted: 3:23
